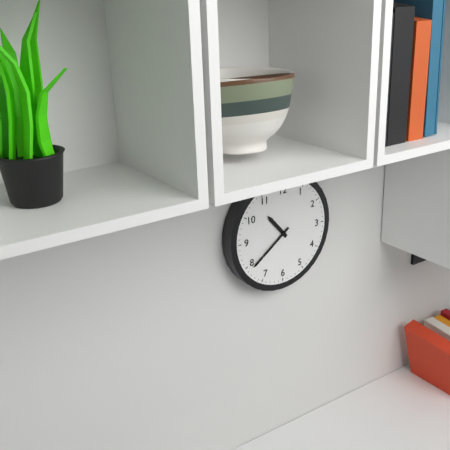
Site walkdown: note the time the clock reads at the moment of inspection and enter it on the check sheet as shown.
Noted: 10:39
